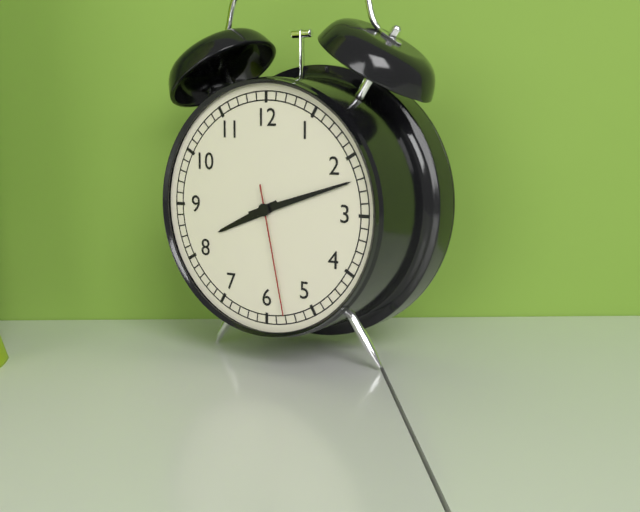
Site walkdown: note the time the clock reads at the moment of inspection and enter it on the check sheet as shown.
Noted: 8:12:28
